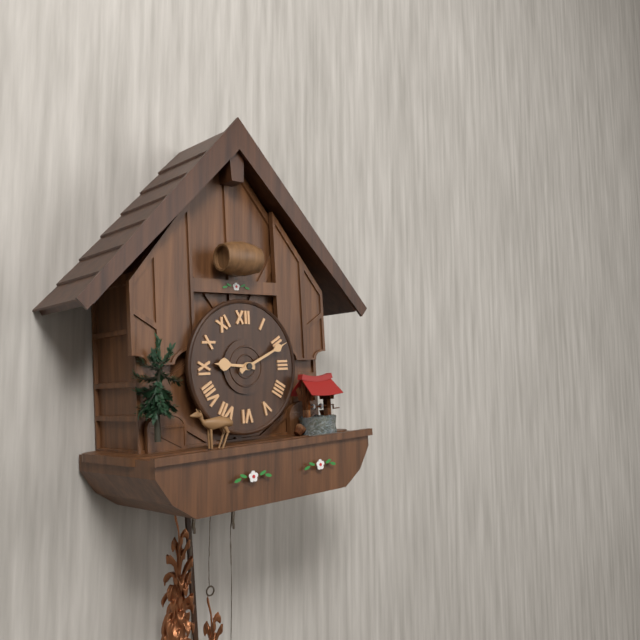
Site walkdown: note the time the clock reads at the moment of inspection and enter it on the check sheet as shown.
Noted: 9:11
